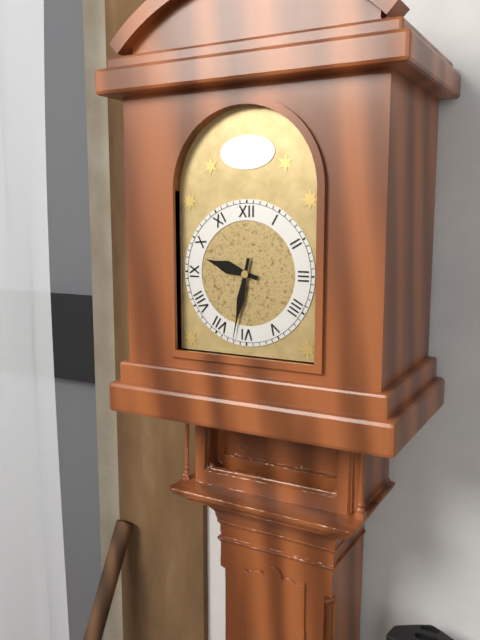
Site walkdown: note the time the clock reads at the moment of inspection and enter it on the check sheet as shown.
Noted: 9:32
